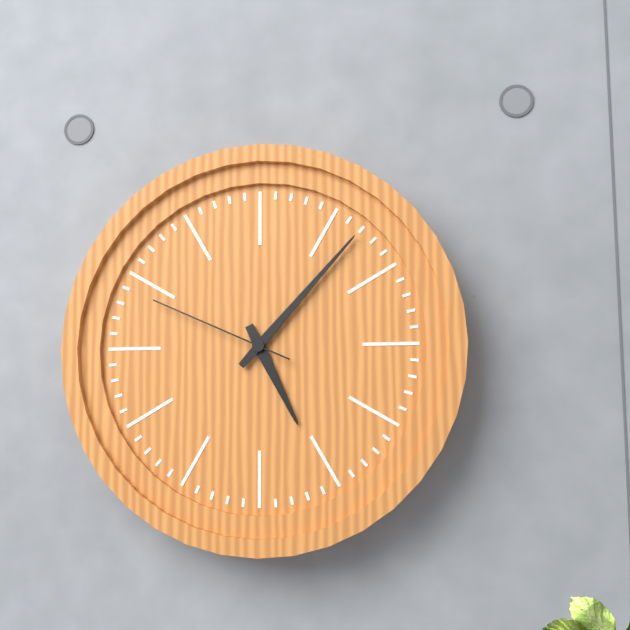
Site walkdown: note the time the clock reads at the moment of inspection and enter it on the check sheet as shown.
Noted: 5:07:49
